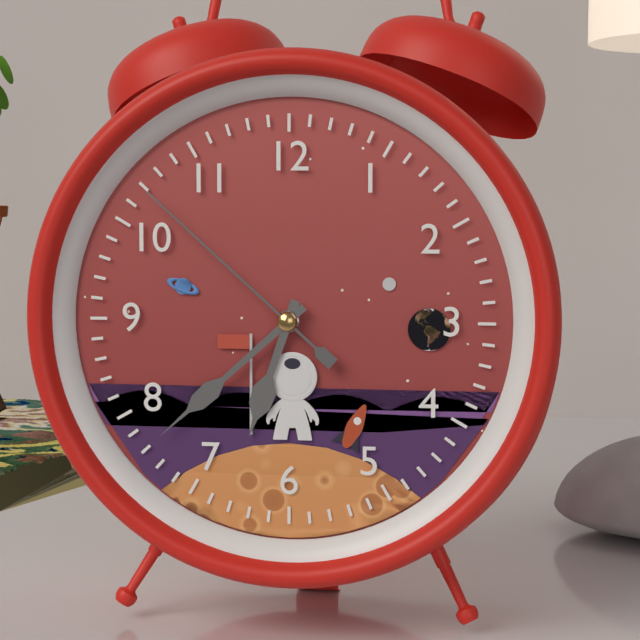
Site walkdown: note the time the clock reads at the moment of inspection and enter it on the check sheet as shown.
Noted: 6:38:52
